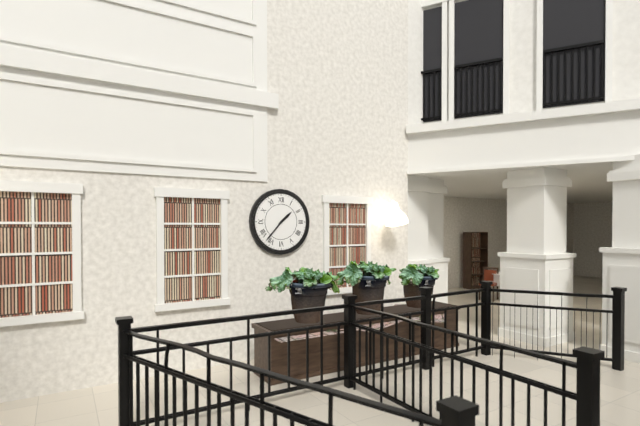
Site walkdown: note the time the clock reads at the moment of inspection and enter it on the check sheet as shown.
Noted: 1:37
